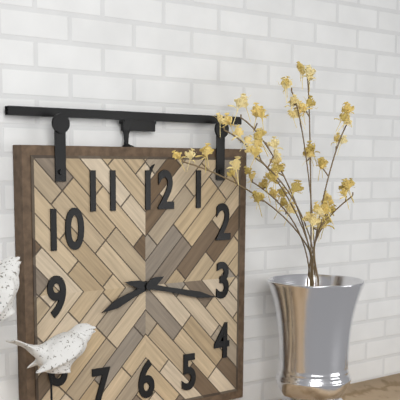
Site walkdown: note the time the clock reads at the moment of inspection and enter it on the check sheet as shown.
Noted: 8:17
